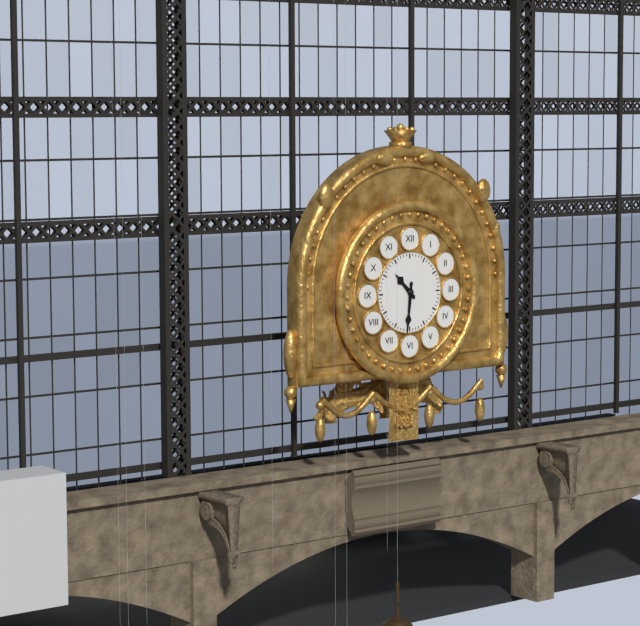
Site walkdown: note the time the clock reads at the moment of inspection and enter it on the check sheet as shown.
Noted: 10:31
